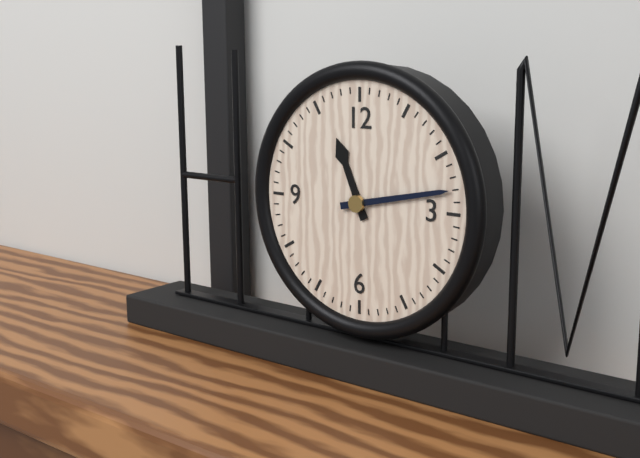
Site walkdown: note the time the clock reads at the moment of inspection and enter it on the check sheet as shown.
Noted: 11:13
